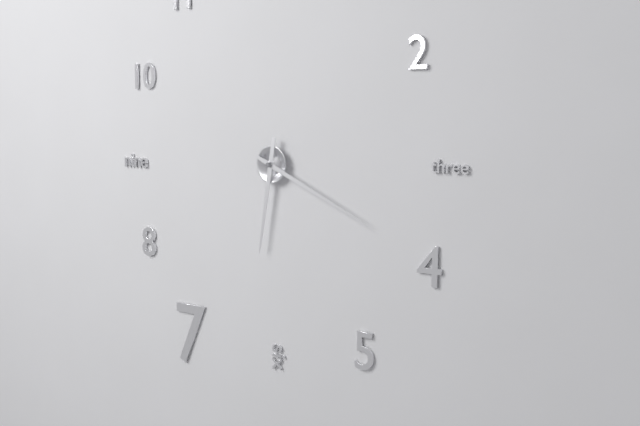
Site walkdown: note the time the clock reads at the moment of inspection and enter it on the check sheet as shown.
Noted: 6:19
